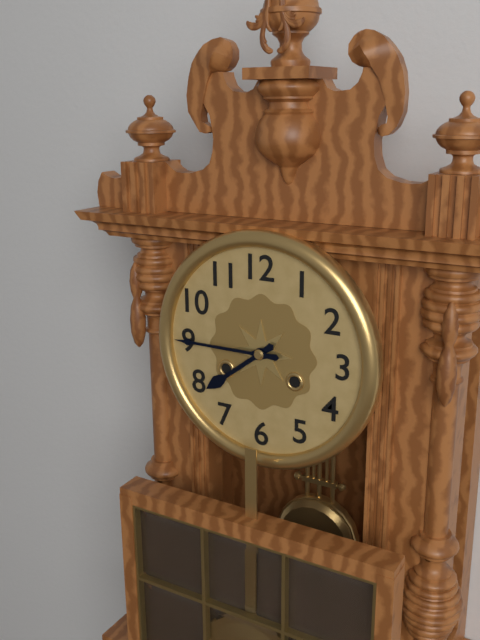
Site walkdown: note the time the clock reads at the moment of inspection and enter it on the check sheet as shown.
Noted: 7:45
